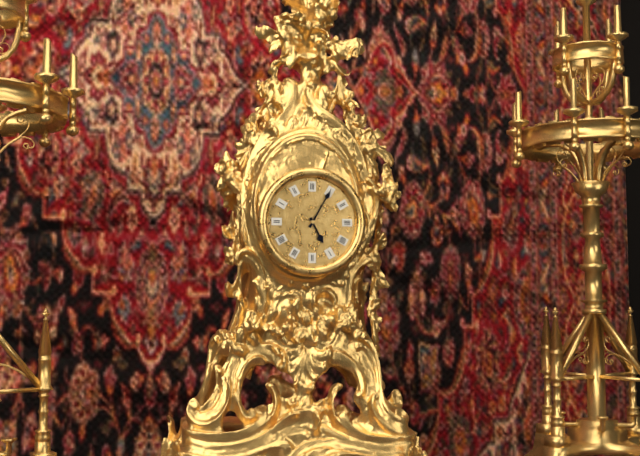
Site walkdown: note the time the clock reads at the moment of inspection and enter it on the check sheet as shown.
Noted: 5:05
